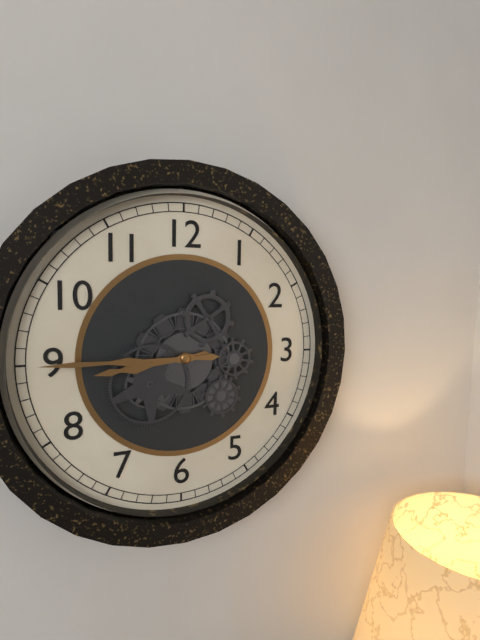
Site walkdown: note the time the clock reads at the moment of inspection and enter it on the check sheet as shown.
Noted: 8:45
